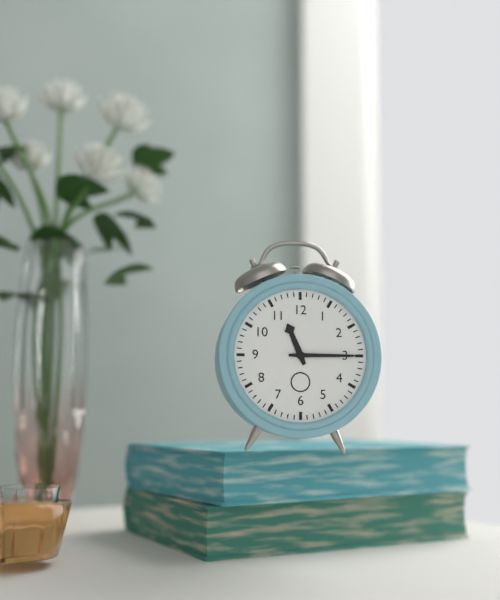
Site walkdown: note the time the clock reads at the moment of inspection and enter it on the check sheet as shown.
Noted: 11:15
